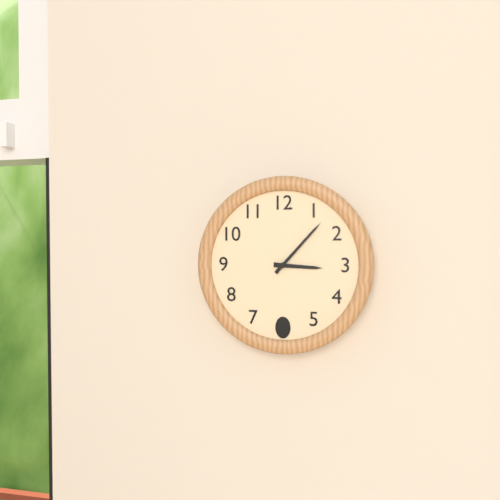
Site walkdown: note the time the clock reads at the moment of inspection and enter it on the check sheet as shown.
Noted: 3:07
